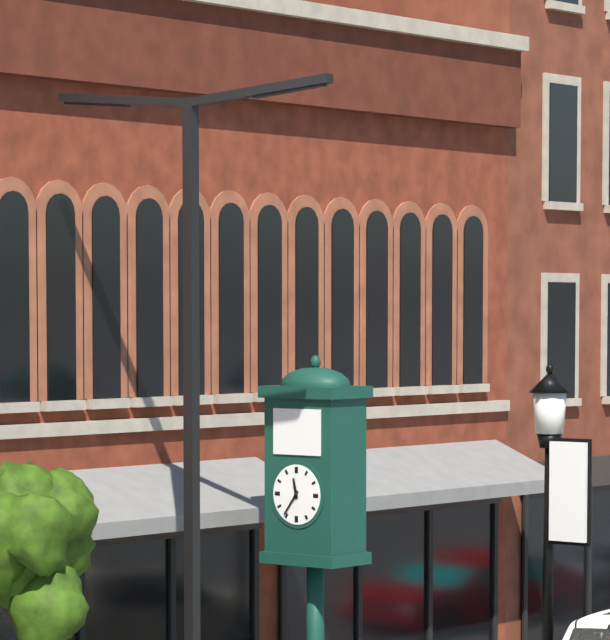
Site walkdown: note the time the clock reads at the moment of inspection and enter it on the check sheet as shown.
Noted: 11:36
